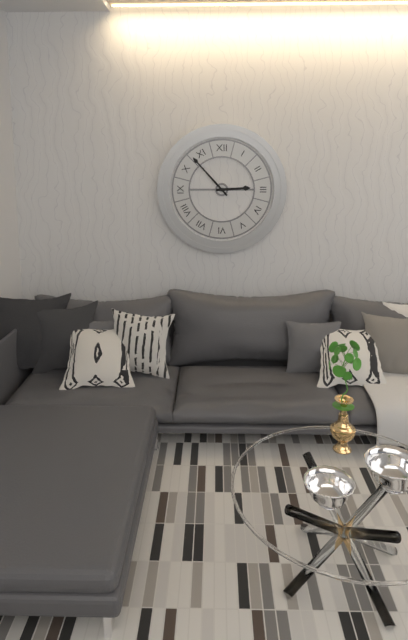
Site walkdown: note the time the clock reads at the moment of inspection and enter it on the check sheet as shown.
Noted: 2:53
